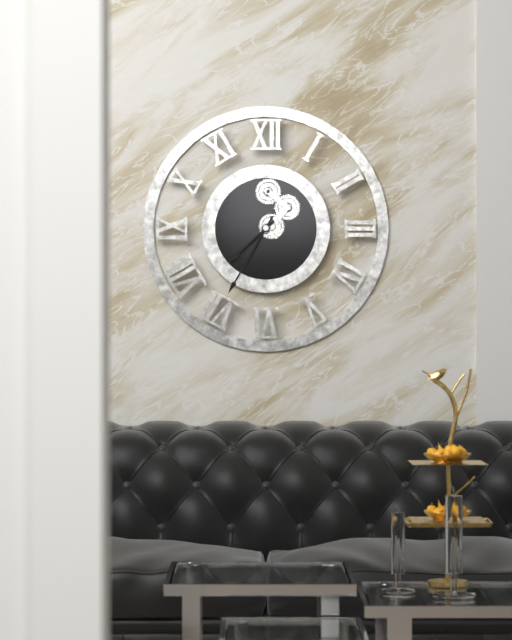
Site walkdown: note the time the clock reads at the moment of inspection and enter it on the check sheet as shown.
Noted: 7:35
